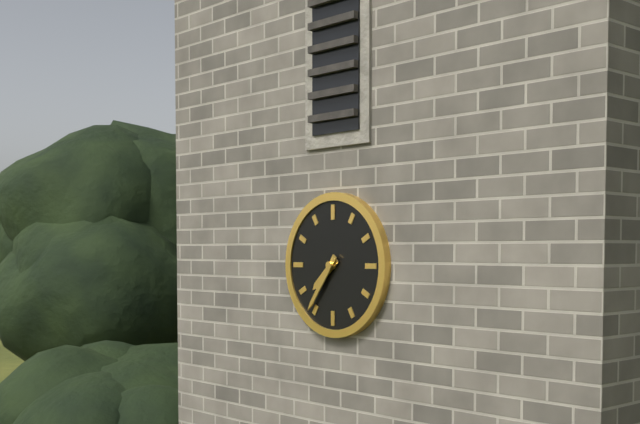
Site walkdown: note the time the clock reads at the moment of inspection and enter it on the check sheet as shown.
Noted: 7:36
